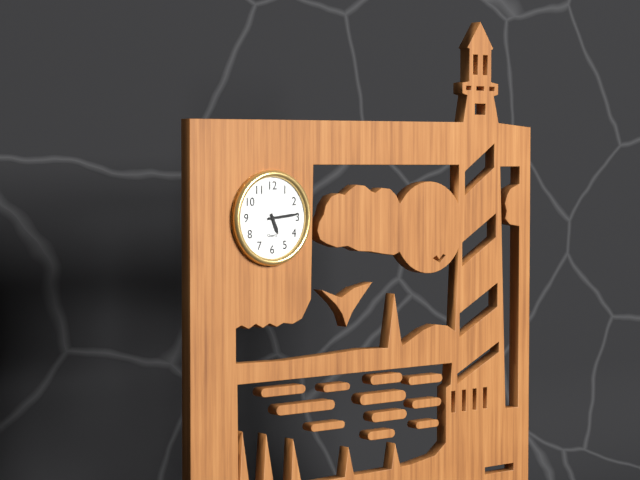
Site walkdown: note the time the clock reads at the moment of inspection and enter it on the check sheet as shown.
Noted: 5:14
